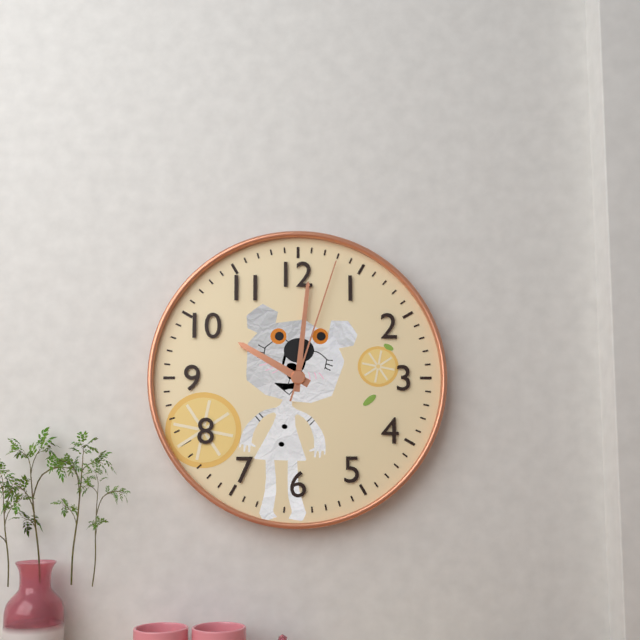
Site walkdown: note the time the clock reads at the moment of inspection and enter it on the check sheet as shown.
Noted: 10:01:03
